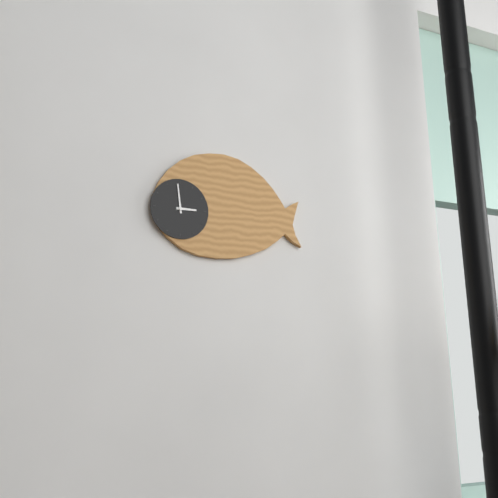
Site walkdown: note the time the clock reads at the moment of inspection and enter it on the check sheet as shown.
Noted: 2:59
